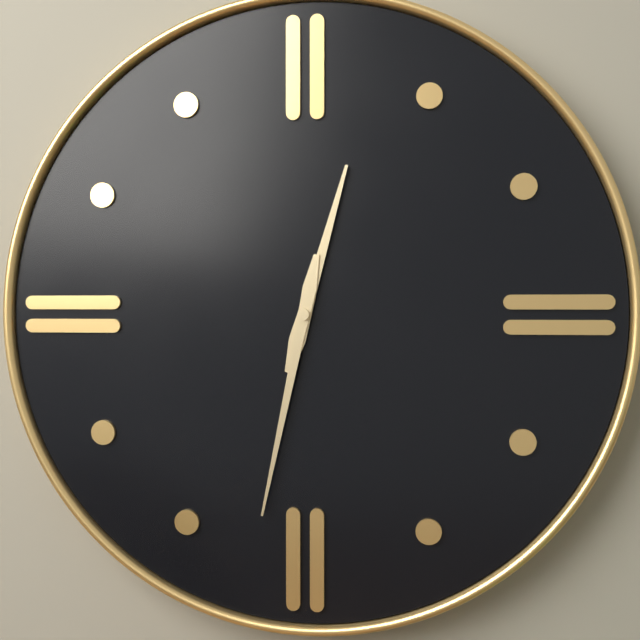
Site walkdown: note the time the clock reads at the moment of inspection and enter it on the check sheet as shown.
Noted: 12:32
